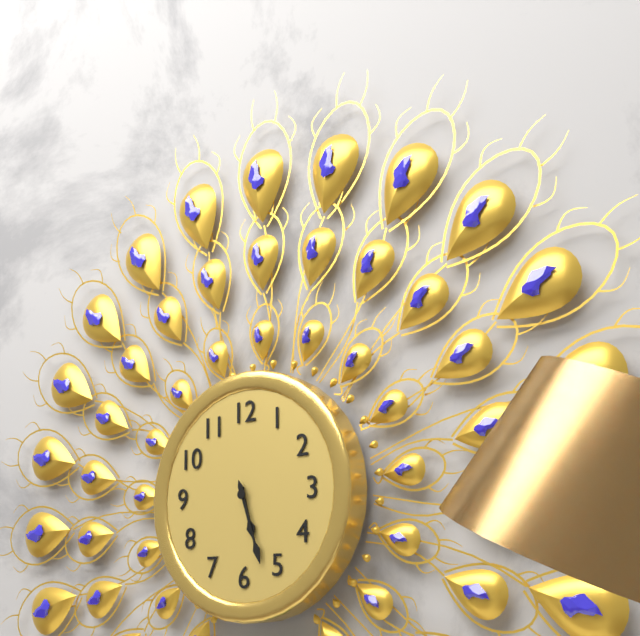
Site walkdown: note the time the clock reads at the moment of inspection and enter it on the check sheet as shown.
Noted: 5:27
